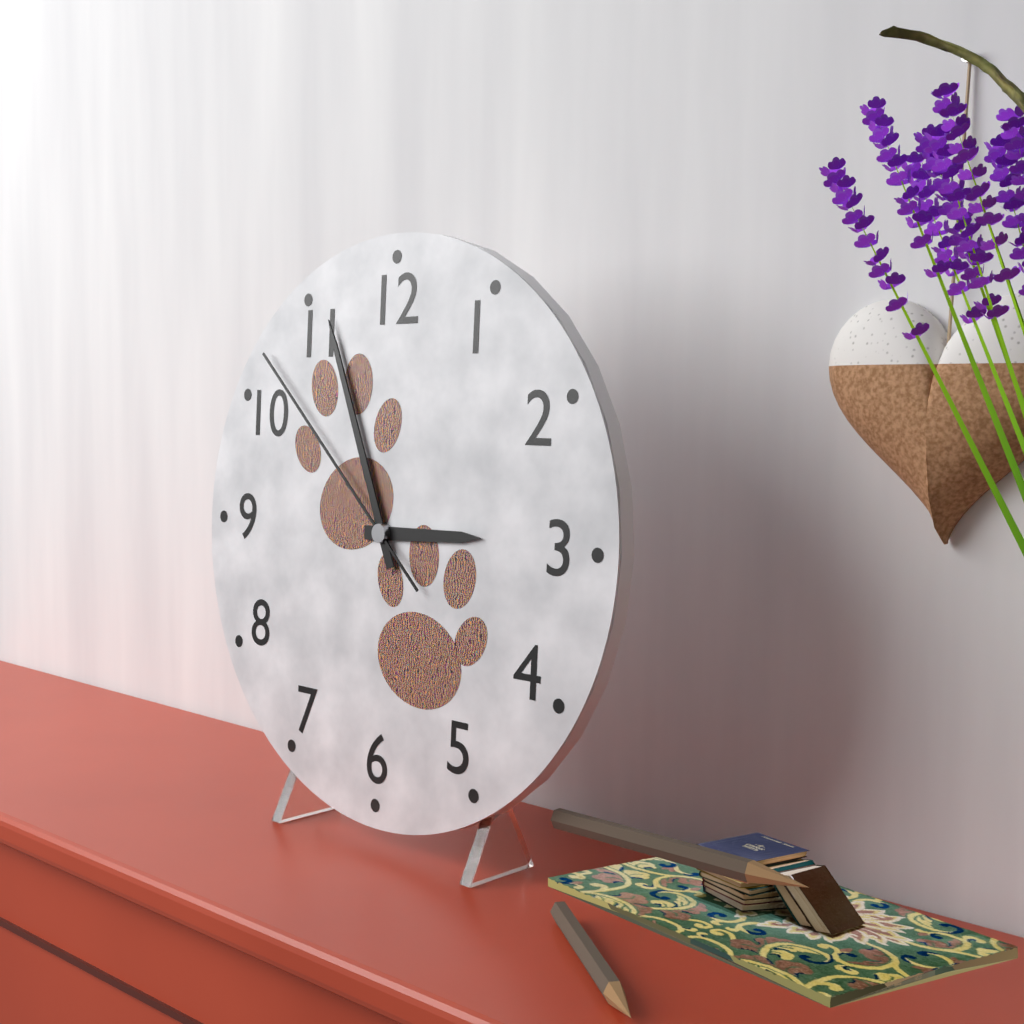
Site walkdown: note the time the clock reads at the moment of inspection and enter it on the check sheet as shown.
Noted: 2:56:52
